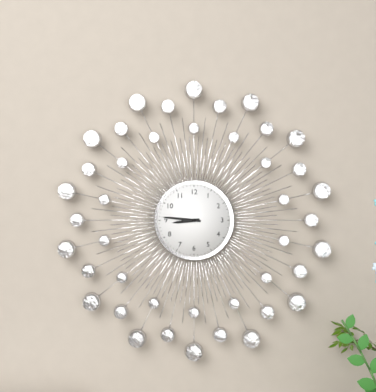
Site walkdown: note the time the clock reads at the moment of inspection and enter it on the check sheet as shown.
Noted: 8:46
